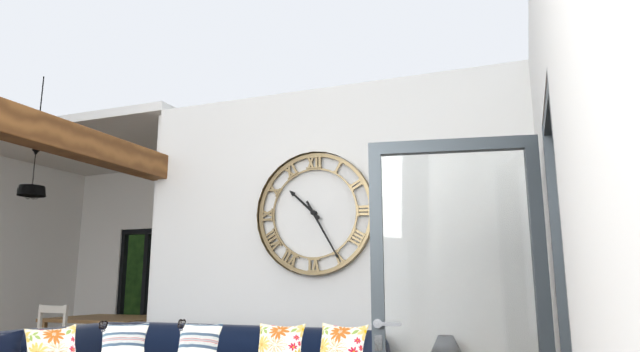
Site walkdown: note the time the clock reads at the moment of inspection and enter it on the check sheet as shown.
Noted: 10:25
